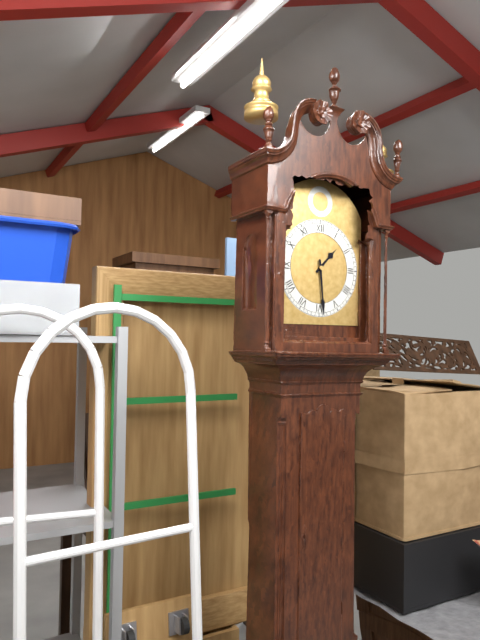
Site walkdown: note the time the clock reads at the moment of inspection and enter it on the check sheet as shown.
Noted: 1:29
